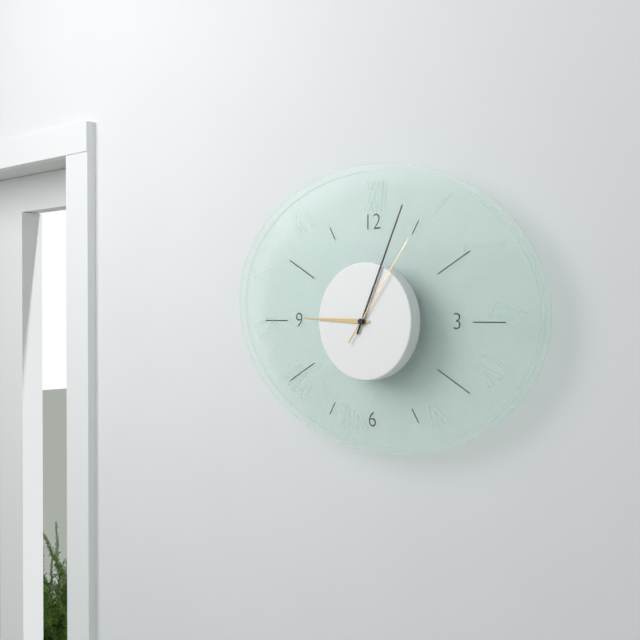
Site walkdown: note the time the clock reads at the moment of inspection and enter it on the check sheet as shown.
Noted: 9:04:06
